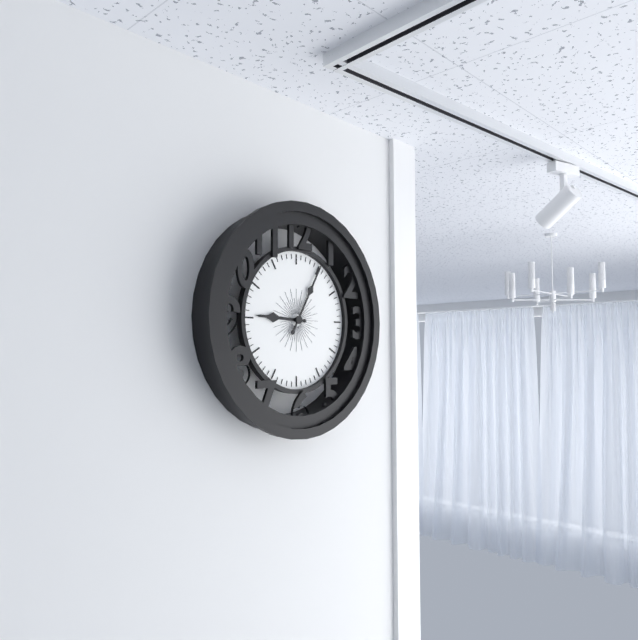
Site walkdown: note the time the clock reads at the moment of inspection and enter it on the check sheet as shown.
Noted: 9:05
